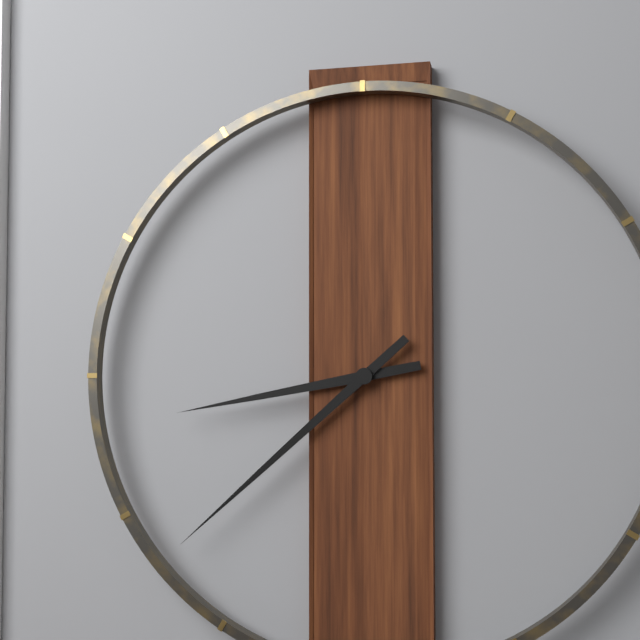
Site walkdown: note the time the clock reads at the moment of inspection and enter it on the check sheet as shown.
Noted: 8:38
